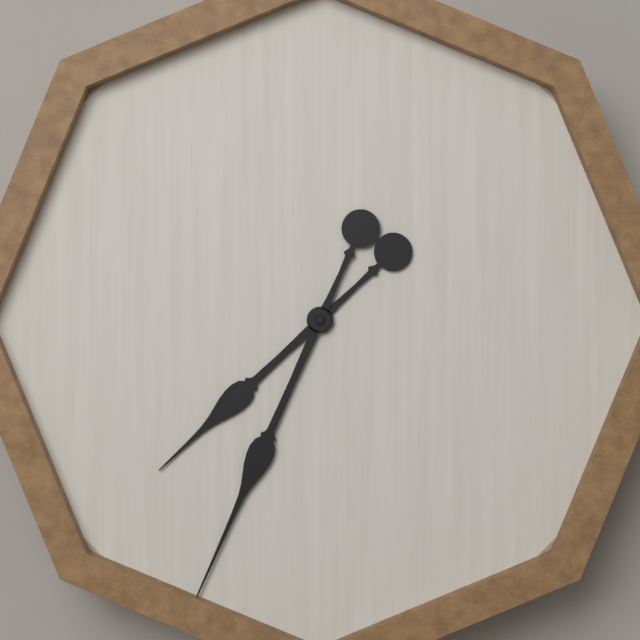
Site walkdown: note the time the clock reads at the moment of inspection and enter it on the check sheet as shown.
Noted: 7:34
